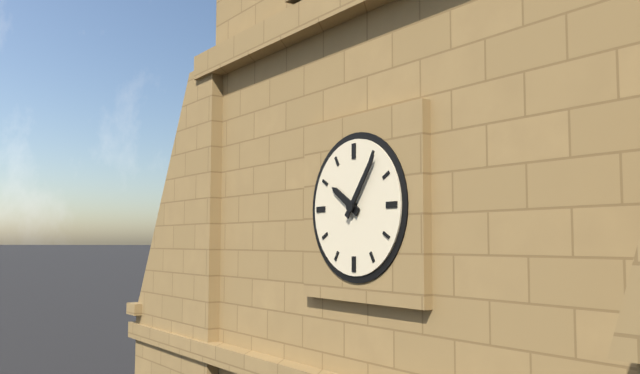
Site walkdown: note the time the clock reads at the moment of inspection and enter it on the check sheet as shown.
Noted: 10:06
